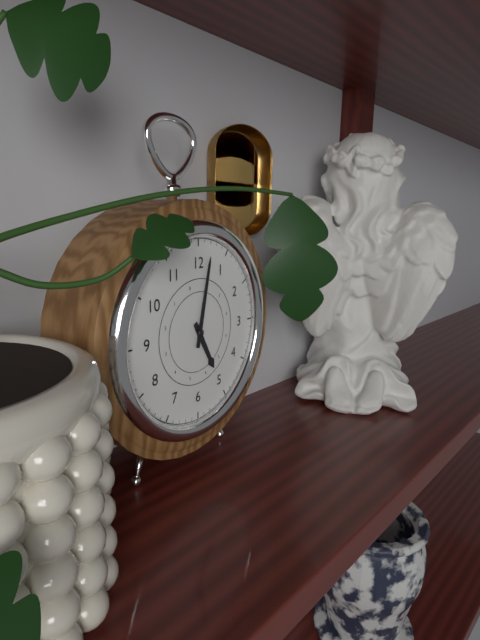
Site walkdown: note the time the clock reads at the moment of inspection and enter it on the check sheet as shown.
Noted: 5:02
